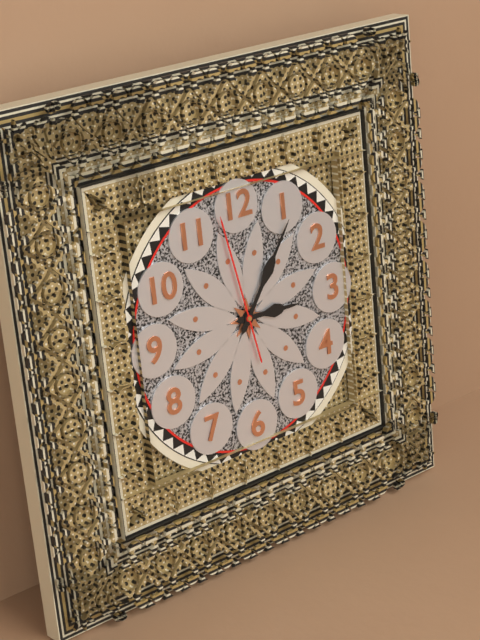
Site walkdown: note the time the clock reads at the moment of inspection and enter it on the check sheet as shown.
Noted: 3:06:58
